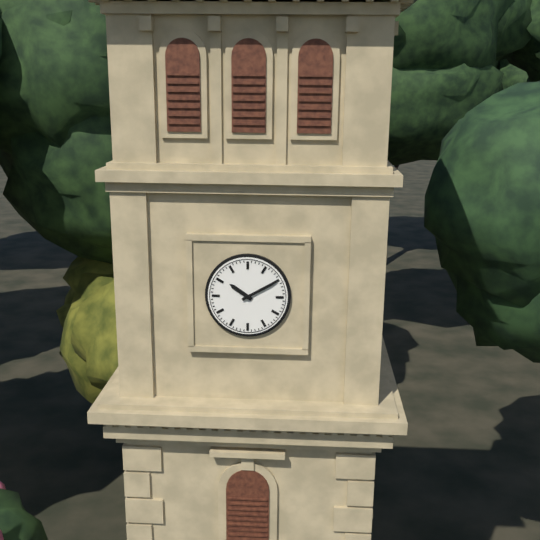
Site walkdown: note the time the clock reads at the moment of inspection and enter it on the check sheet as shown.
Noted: 10:10
